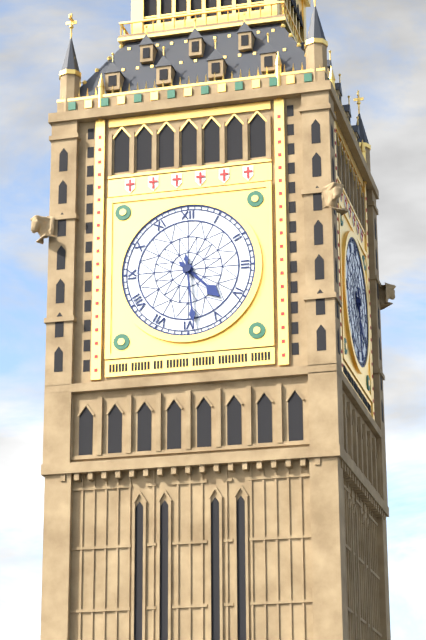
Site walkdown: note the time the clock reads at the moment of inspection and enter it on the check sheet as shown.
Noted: 4:29
